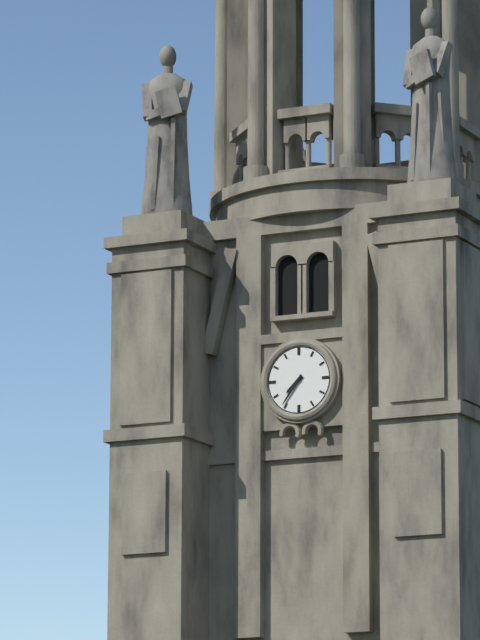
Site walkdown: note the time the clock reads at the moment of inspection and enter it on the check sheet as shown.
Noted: 7:36
